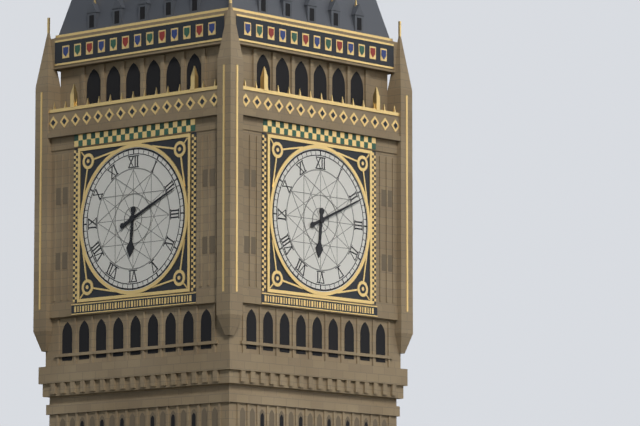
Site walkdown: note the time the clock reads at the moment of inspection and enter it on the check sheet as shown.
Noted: 6:11
